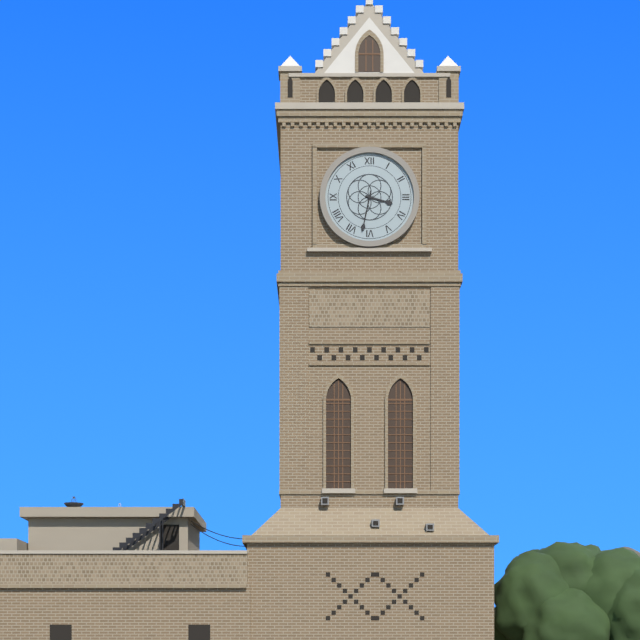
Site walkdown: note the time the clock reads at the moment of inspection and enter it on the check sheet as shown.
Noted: 3:32
